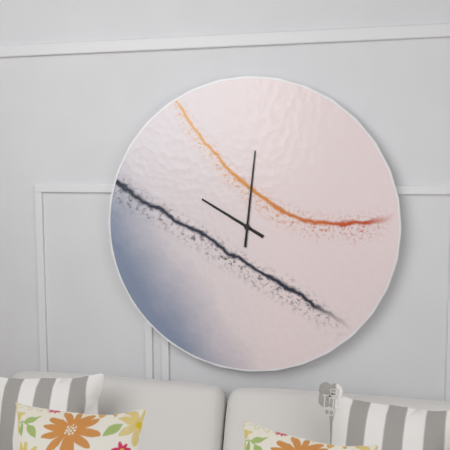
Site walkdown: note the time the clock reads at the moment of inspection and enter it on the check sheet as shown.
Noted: 10:01
